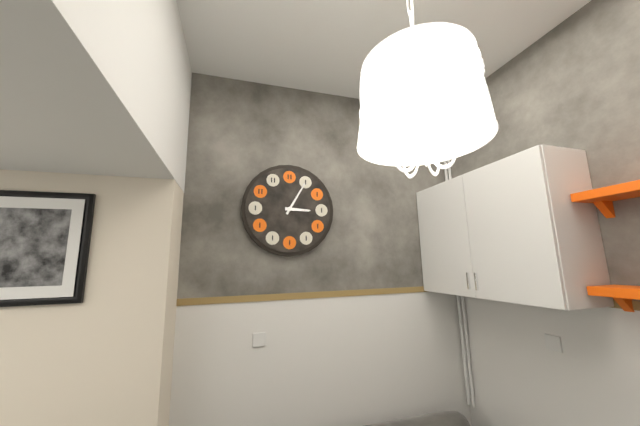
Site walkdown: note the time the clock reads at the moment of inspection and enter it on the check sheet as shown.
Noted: 3:05
